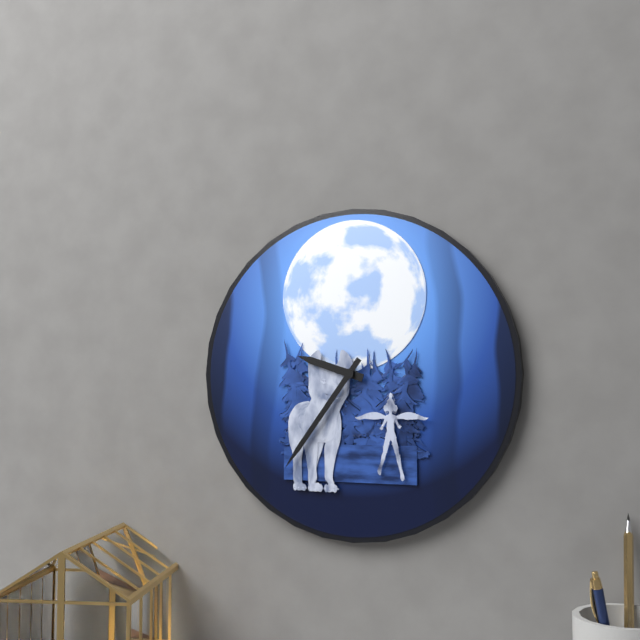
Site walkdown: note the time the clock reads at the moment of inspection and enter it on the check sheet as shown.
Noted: 9:36
